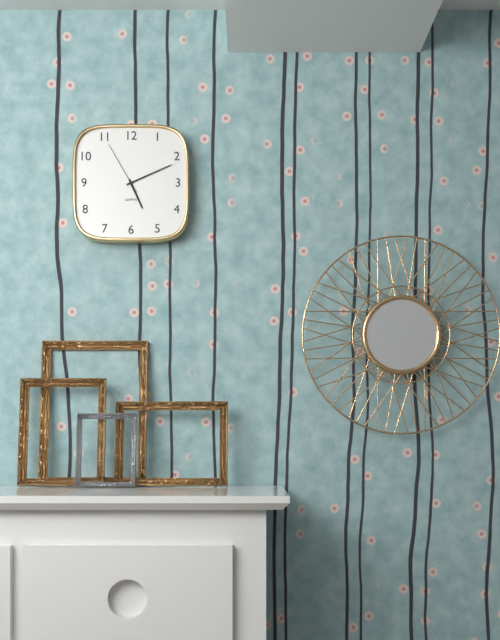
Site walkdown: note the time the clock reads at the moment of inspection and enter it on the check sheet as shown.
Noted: 5:11:55
